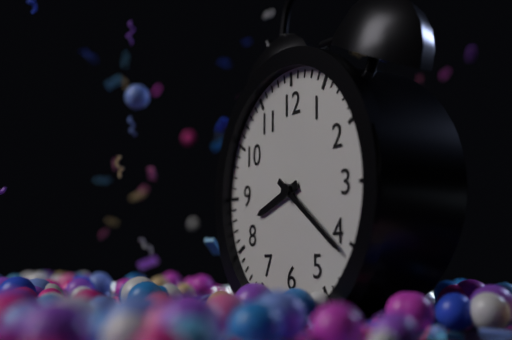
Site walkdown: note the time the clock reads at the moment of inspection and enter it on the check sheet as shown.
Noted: 8:21
